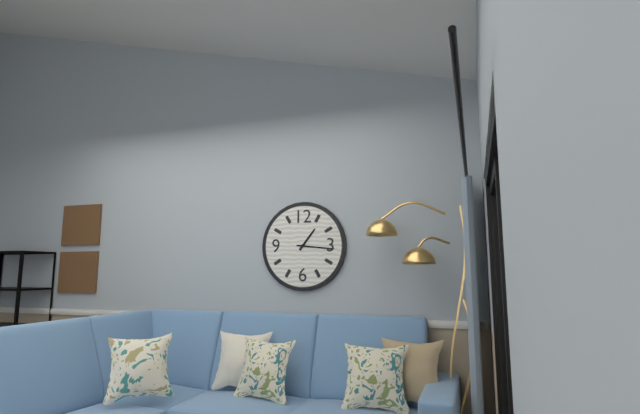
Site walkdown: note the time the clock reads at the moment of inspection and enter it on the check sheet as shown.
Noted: 1:16
